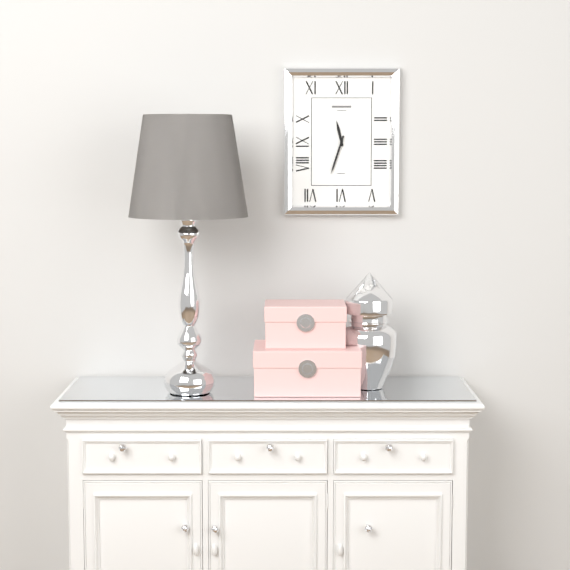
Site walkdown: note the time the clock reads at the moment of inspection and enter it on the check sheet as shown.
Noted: 11:33
